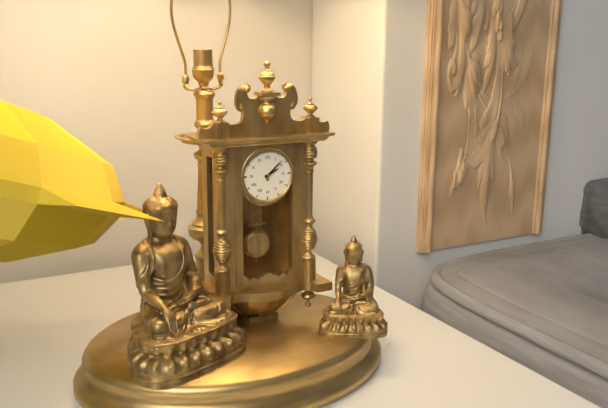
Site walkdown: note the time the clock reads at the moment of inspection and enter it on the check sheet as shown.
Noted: 2:08
